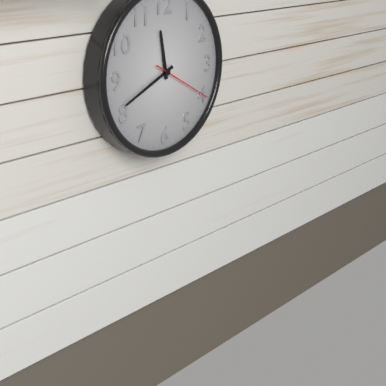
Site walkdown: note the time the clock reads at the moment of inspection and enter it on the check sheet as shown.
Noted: 11:41:20
